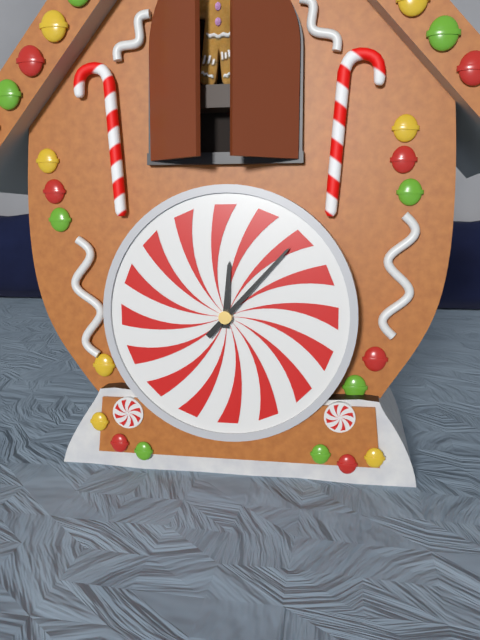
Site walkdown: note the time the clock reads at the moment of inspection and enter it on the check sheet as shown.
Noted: 12:07
